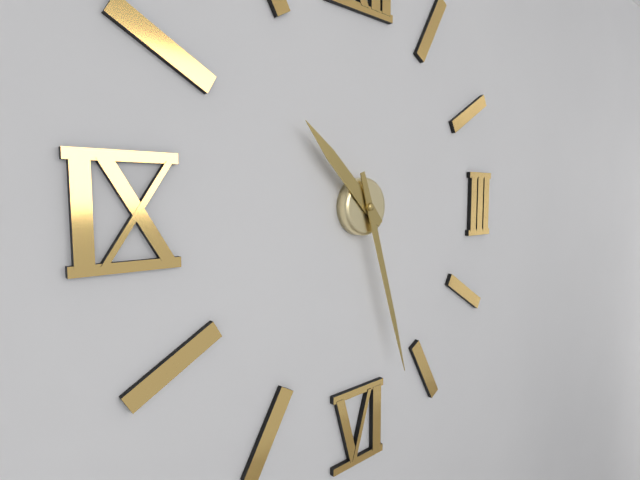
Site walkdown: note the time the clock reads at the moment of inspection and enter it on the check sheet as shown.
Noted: 10:27
